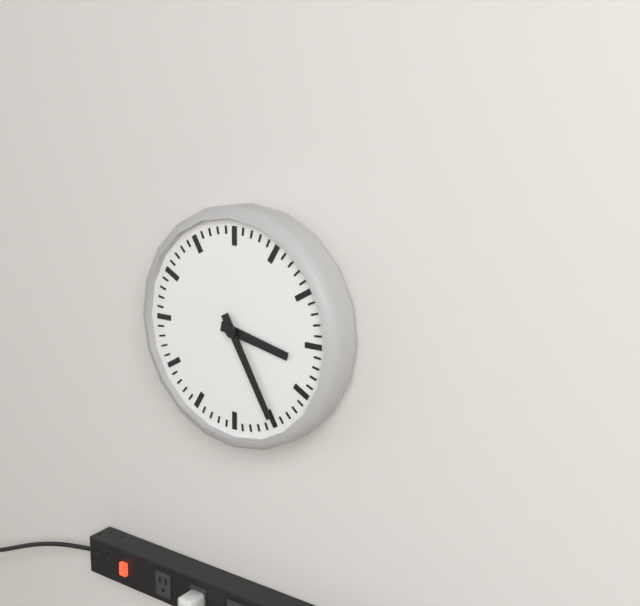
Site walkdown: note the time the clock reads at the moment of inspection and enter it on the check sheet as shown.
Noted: 3:25
